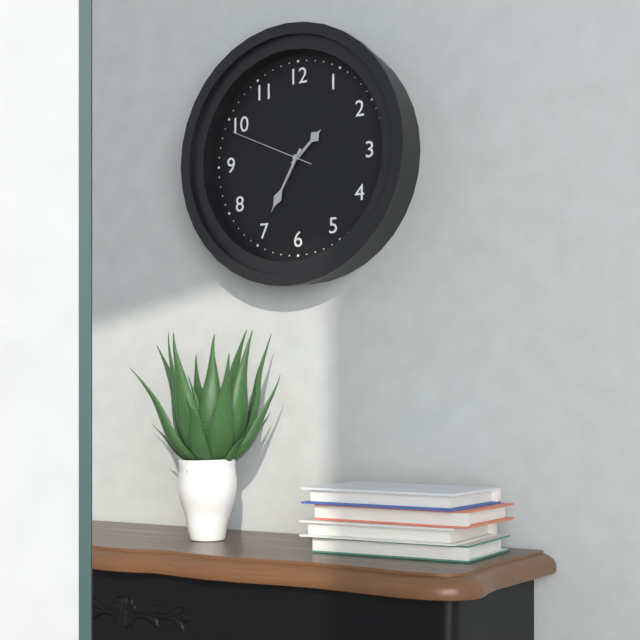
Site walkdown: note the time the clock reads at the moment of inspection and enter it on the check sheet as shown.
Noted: 1:35:49
